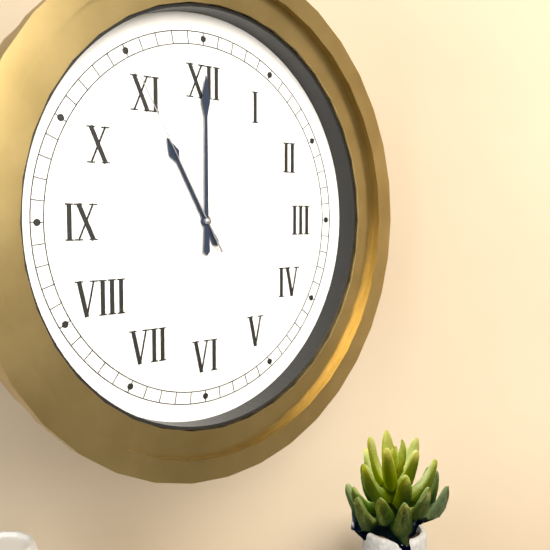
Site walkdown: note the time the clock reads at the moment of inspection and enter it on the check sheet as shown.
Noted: 11:00:55
